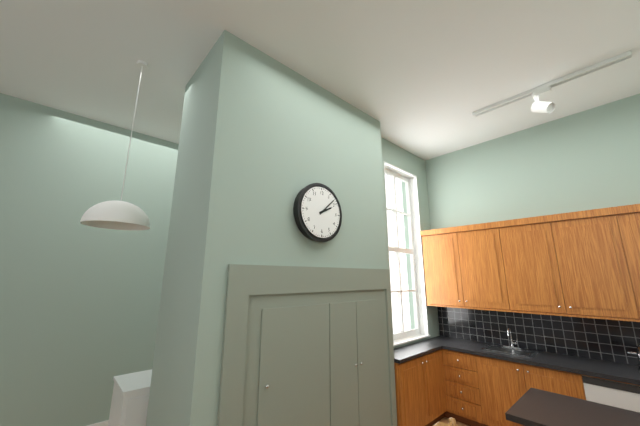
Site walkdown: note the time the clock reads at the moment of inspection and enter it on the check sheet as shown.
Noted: 2:08
